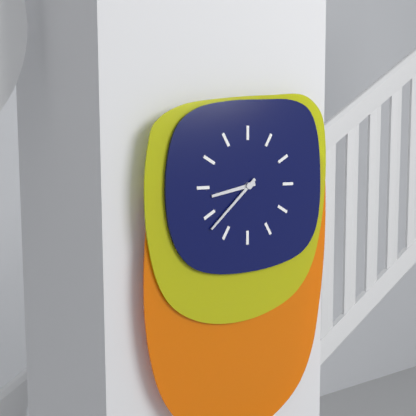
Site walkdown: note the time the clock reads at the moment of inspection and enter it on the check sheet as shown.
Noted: 8:38
